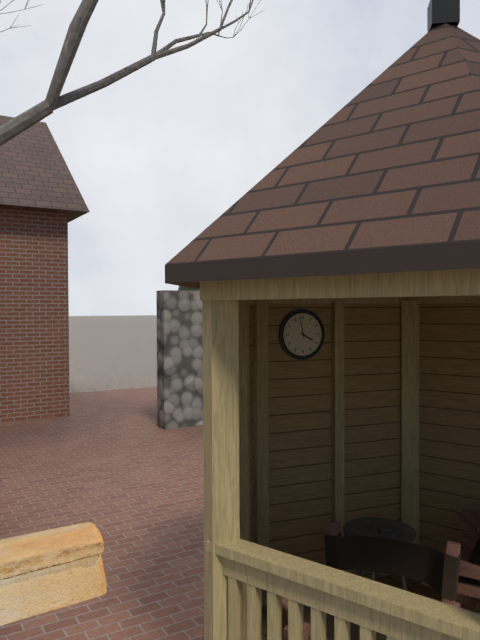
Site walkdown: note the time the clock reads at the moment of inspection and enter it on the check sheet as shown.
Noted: 3:58
